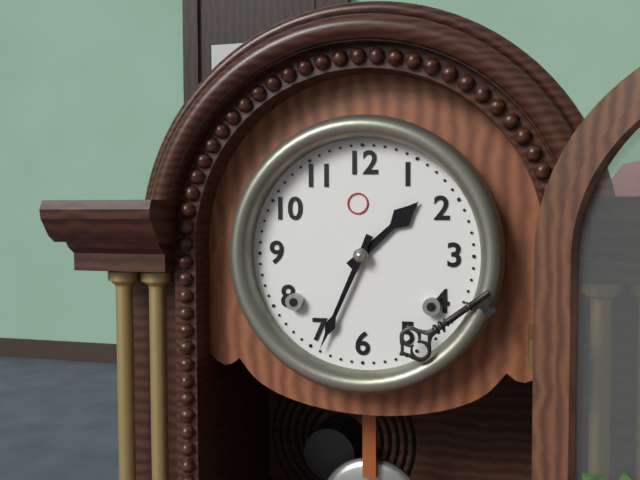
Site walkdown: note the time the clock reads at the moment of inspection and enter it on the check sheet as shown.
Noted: 1:34
